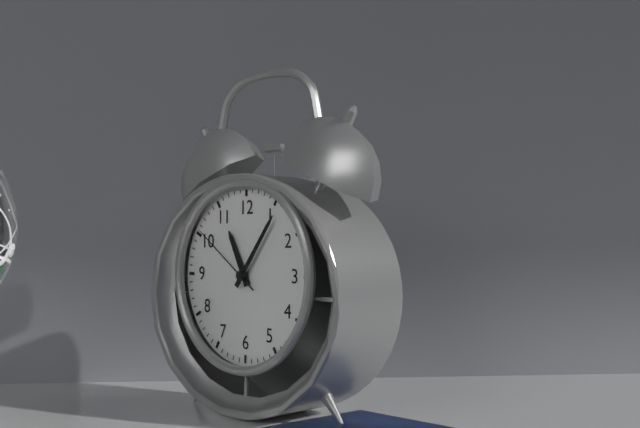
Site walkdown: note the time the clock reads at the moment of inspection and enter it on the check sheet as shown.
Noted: 11:06:51
